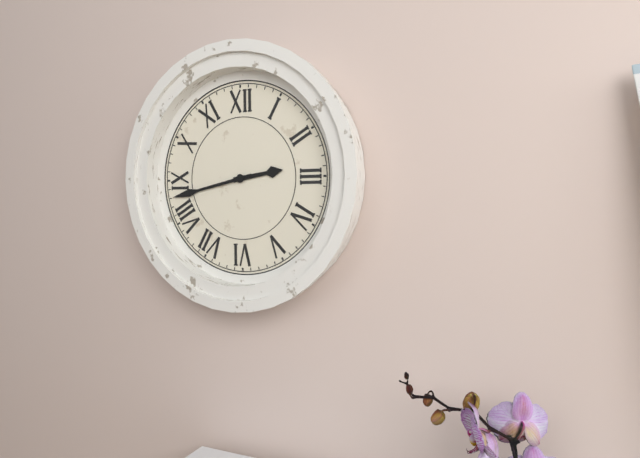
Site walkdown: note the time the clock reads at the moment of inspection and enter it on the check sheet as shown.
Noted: 2:43
